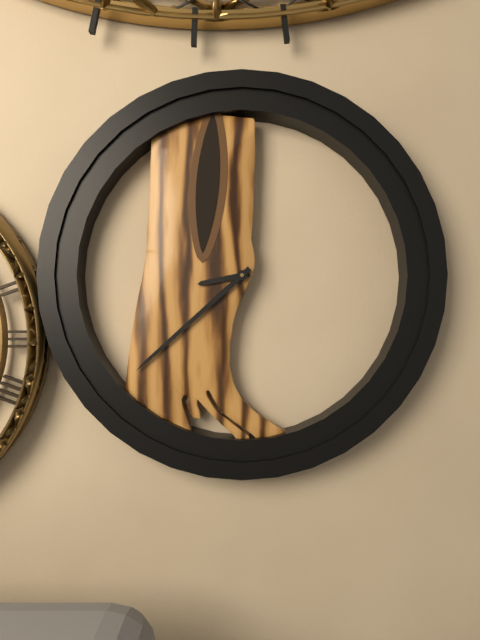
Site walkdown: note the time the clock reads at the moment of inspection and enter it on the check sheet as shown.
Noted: 8:38
